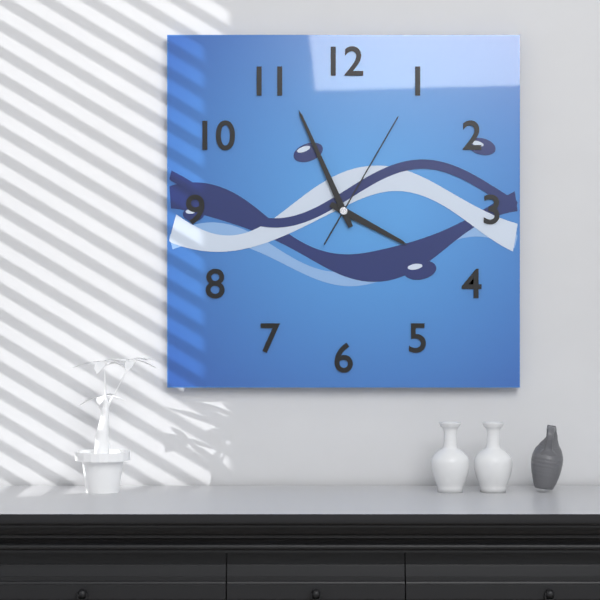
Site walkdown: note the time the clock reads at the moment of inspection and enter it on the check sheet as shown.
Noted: 3:56:05
